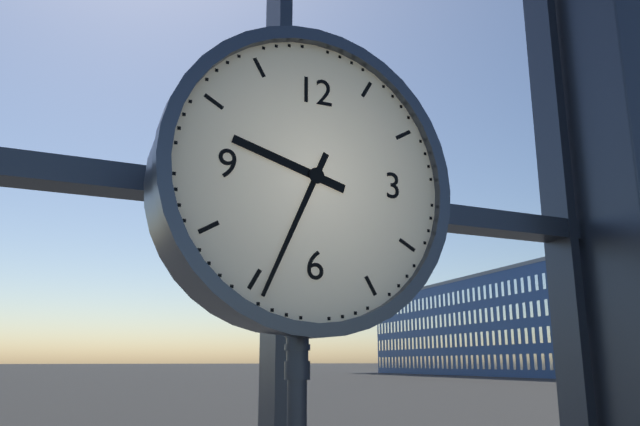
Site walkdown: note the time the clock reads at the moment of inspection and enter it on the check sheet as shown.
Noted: 9:34
